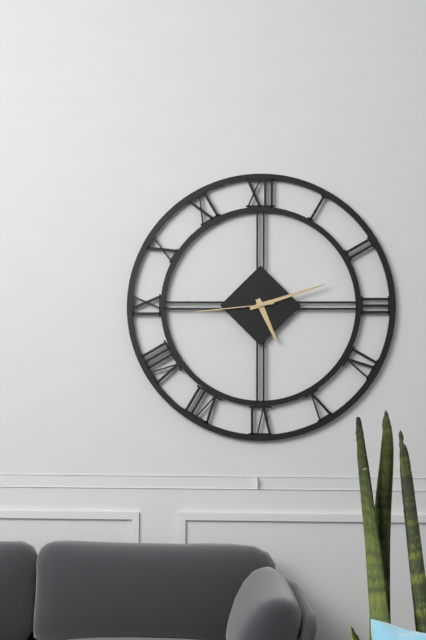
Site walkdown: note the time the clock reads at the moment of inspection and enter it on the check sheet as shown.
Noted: 5:12:44
